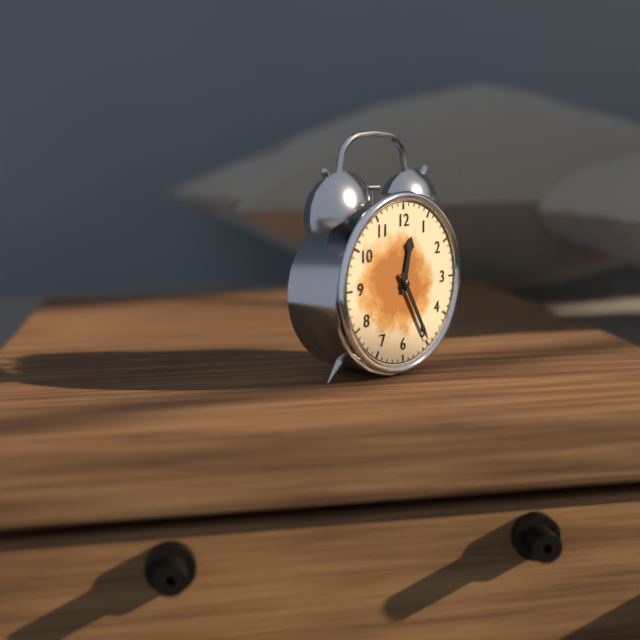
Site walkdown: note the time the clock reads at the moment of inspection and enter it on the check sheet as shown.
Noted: 12:25
